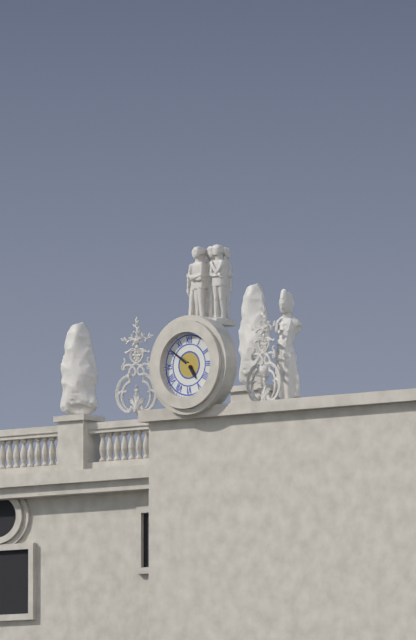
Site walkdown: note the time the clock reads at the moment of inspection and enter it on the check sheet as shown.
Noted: 4:51
